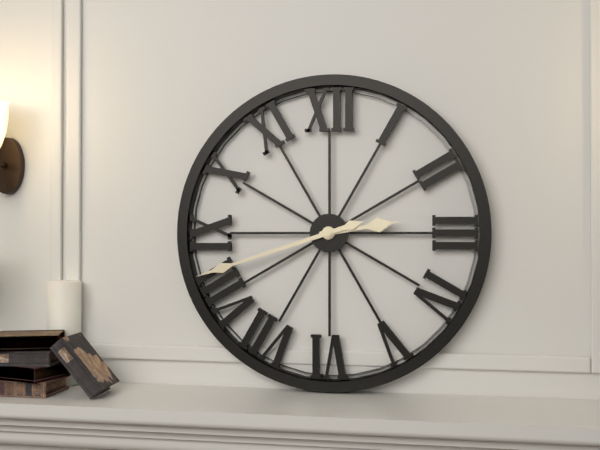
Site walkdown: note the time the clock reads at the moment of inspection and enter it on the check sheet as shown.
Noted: 2:42
